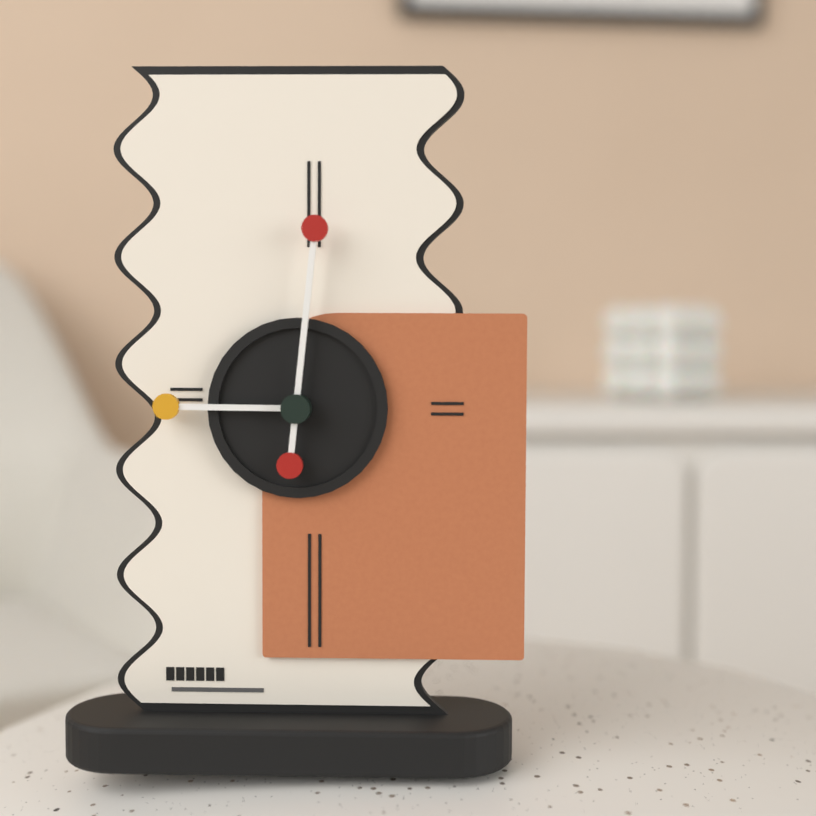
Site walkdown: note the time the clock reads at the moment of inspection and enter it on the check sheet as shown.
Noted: 9:01
